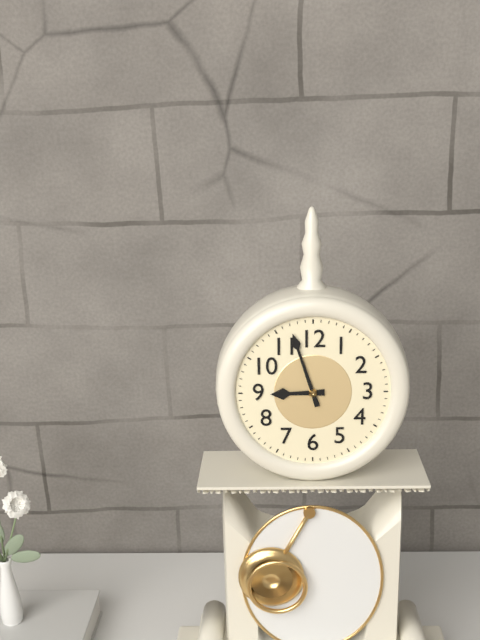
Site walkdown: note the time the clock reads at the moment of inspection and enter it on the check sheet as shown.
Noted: 8:57
